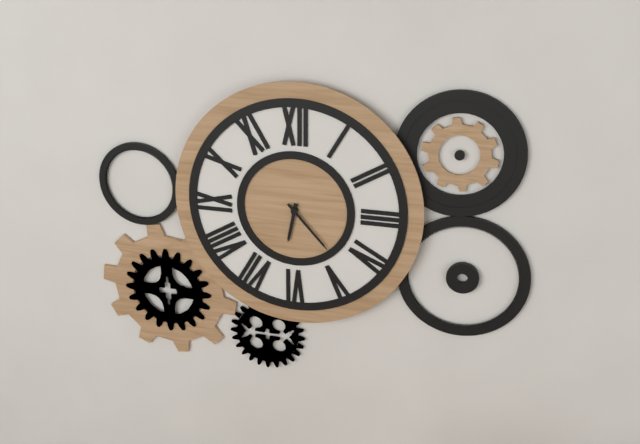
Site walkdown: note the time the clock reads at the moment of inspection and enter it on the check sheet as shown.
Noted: 6:23
